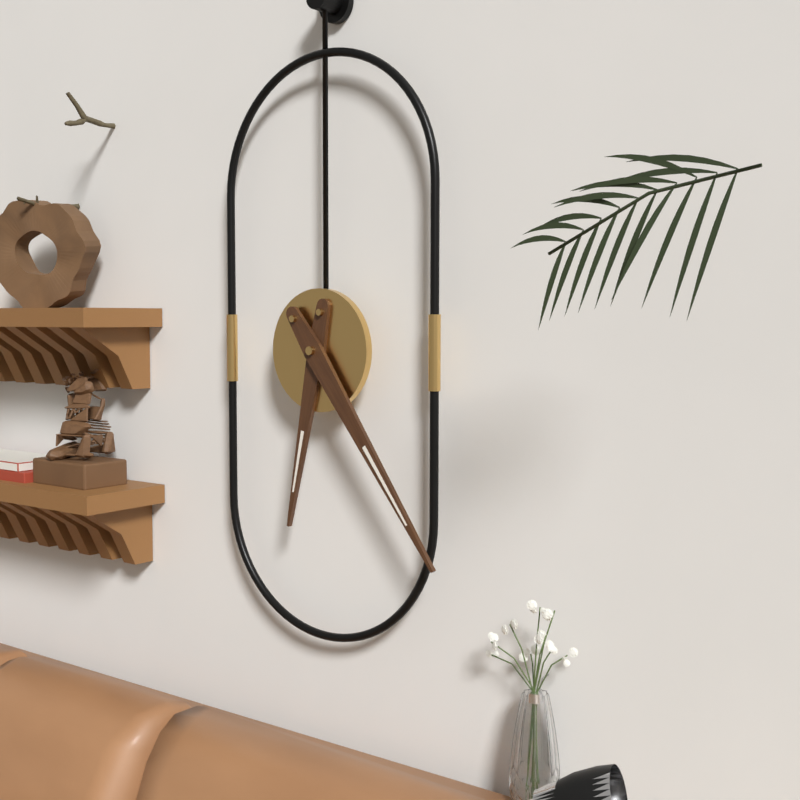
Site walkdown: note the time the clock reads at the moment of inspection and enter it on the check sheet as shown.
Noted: 6:24
